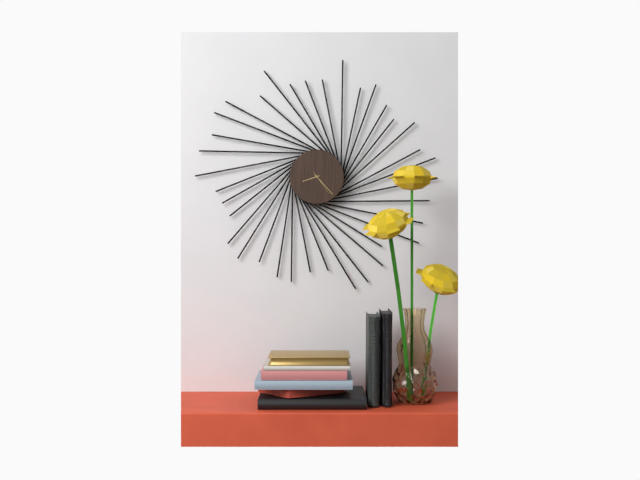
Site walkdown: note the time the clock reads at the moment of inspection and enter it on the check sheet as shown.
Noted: 8:23
